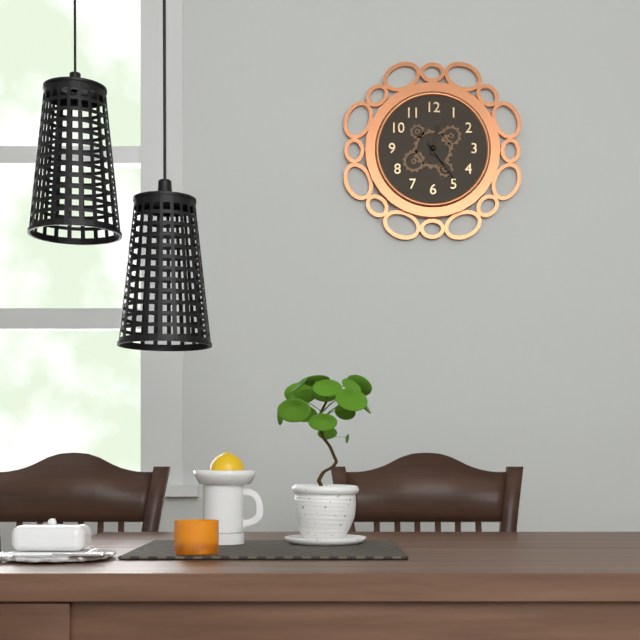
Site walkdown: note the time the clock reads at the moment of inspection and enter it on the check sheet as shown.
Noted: 12:24
